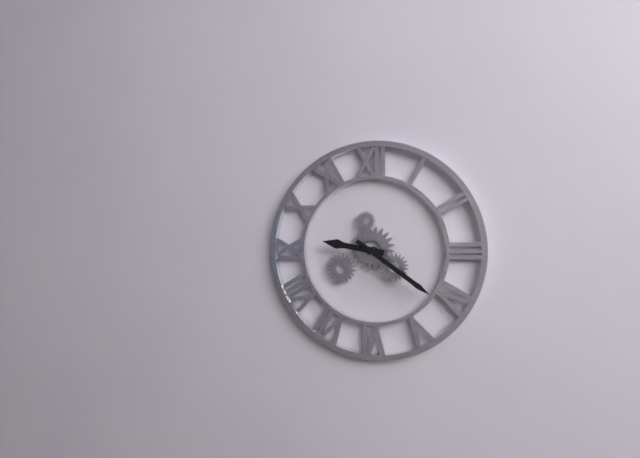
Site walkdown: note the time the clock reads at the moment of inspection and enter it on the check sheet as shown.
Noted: 9:21
